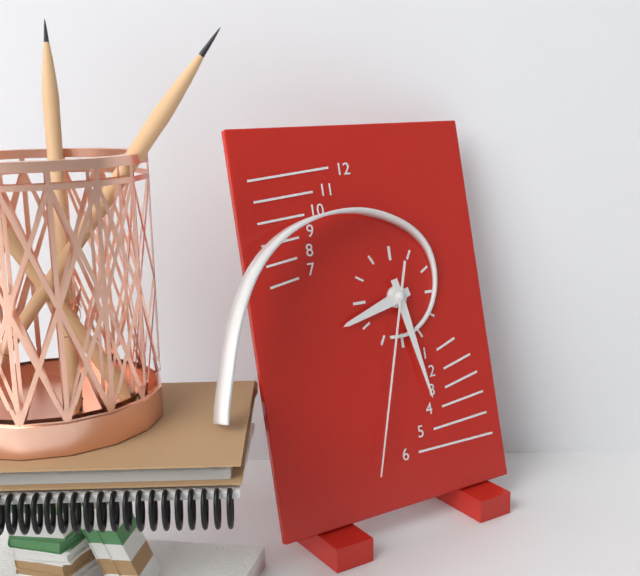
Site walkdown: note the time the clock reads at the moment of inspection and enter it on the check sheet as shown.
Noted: 8:28:33
